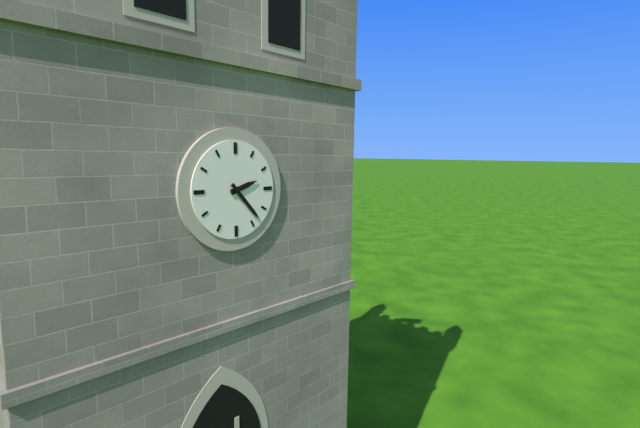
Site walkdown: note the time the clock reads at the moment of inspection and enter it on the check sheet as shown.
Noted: 2:23
